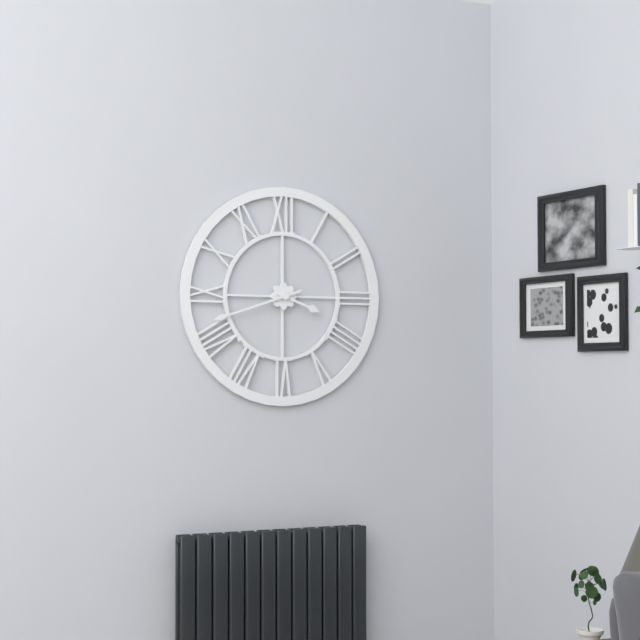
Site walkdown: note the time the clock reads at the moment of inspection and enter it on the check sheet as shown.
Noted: 3:42
